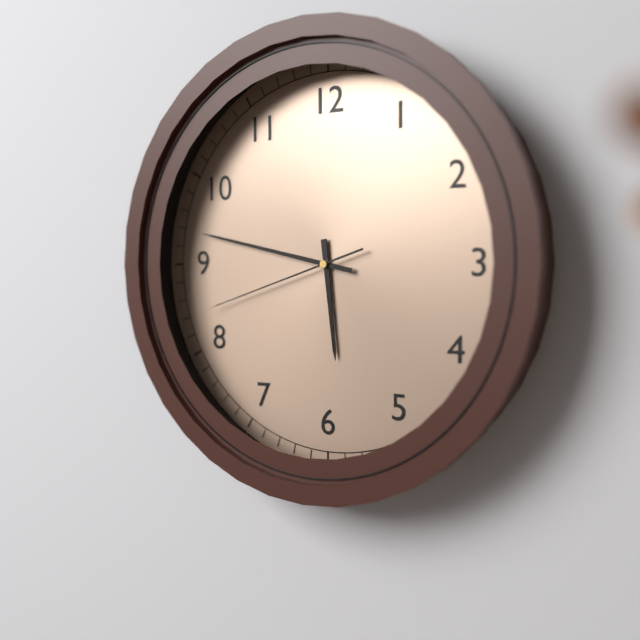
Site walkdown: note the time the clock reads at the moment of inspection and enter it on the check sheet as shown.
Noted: 5:47:42
